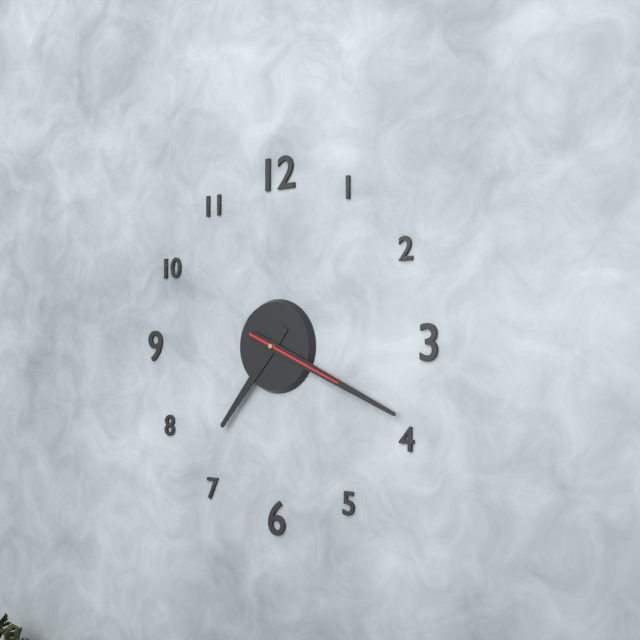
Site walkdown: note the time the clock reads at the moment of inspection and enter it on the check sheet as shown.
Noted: 7:19:19
